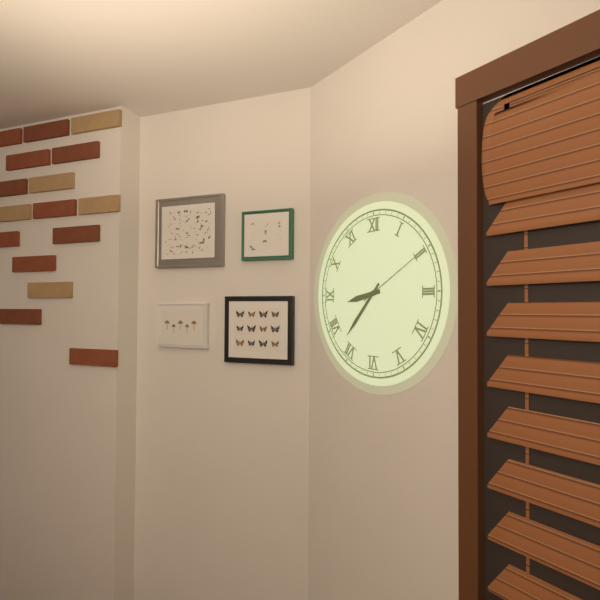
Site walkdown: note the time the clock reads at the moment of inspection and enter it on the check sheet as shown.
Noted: 8:37:10
